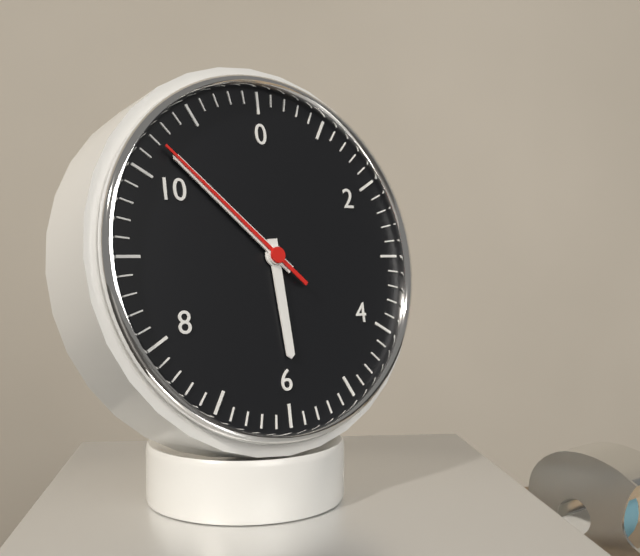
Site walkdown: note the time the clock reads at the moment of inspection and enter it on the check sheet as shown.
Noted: 5:52:52
